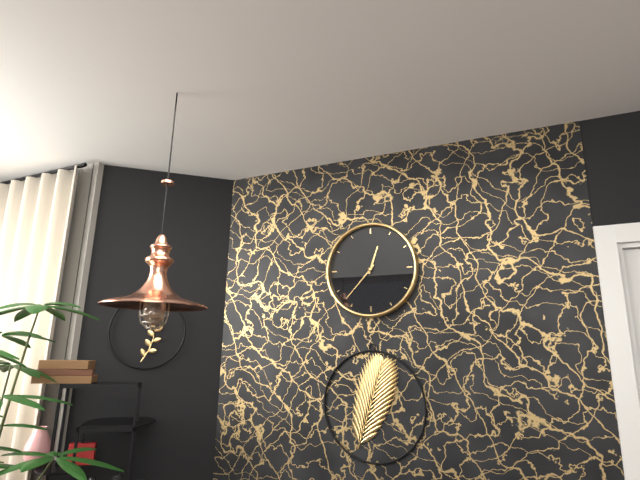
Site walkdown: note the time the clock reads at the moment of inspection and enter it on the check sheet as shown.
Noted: 12:37
